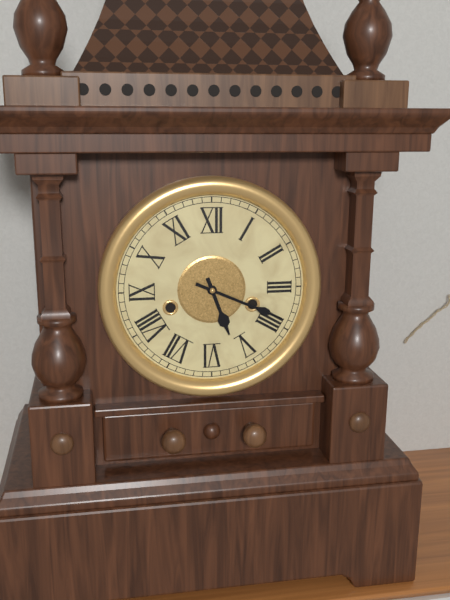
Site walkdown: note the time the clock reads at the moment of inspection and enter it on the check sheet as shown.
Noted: 5:19
